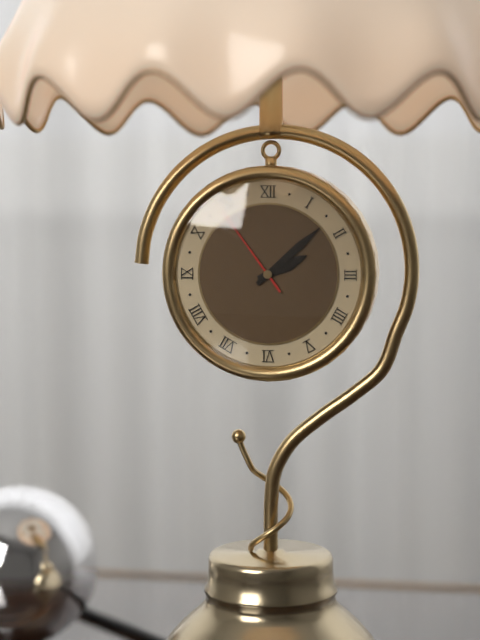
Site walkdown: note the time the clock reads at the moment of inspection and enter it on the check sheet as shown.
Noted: 2:08:54
